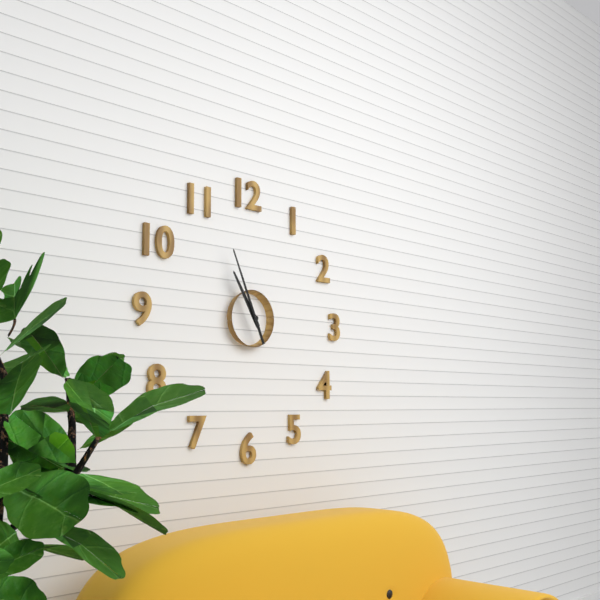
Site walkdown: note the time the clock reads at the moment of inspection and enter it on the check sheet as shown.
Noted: 10:56
